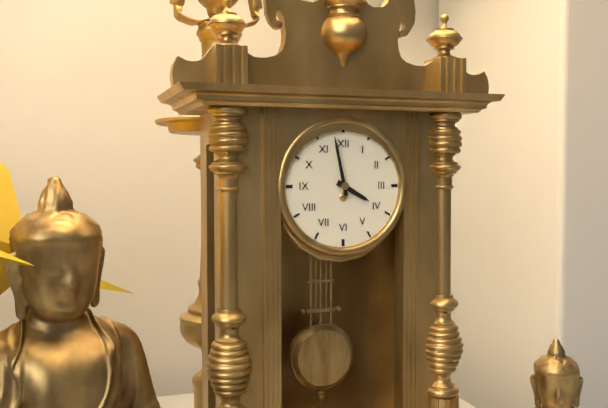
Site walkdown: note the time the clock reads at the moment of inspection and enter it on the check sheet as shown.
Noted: 3:58
